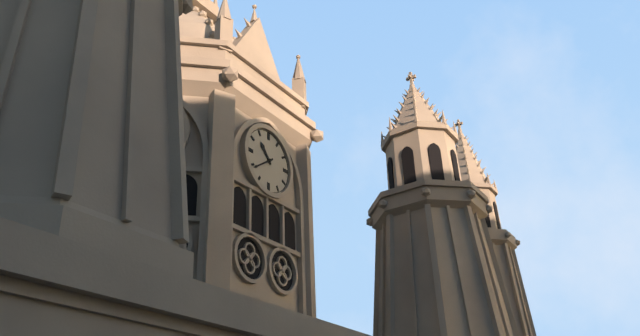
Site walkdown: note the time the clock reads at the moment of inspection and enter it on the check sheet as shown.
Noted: 10:39
